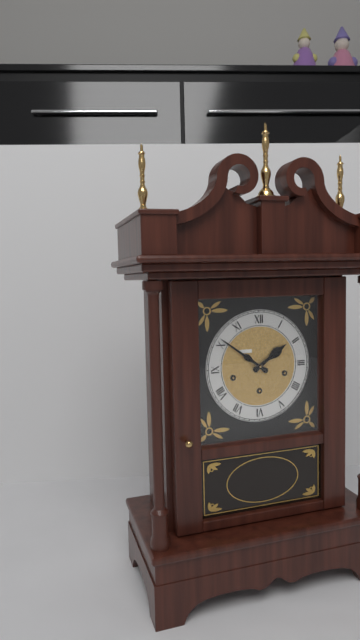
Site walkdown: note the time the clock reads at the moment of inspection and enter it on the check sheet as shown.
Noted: 1:51
